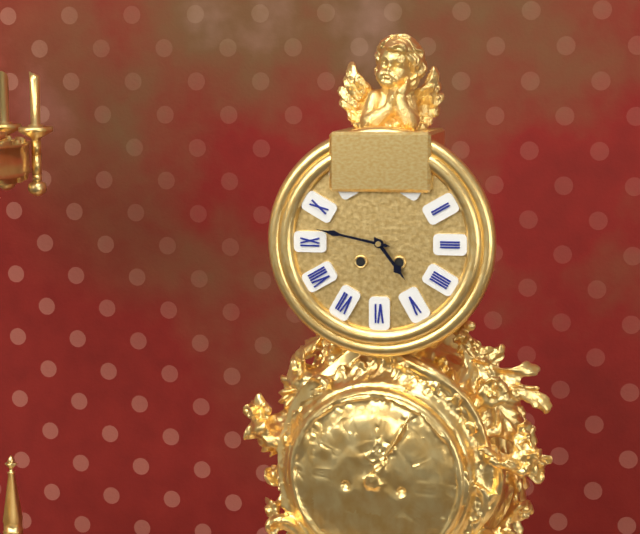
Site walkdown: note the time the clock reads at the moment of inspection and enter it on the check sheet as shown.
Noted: 4:47
